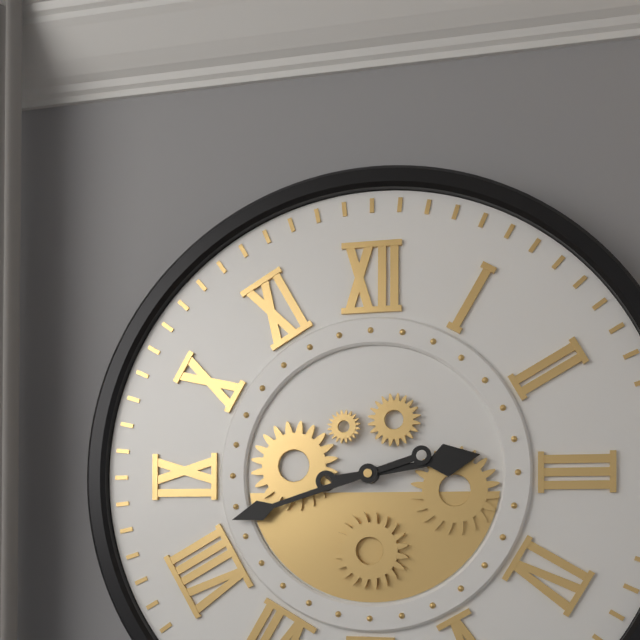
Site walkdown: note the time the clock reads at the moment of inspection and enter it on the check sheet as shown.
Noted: 2:42
